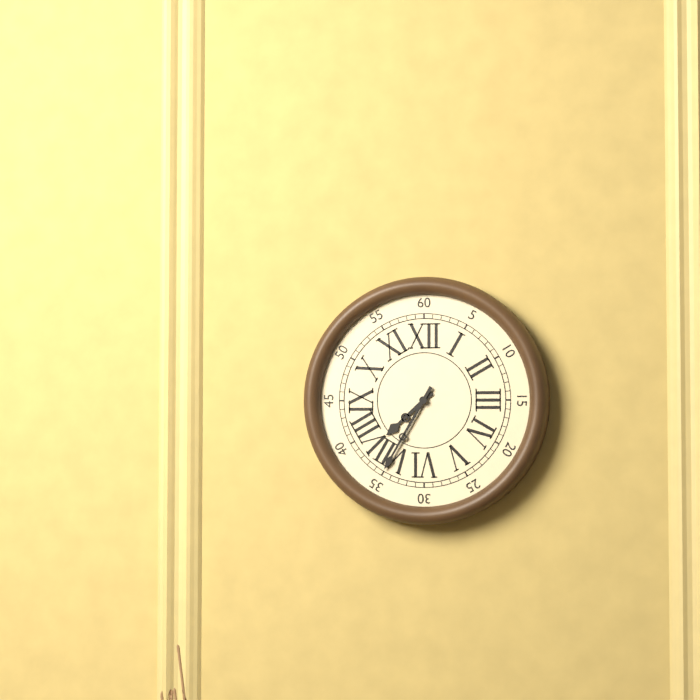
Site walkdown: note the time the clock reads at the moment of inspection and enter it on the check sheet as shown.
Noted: 7:35
